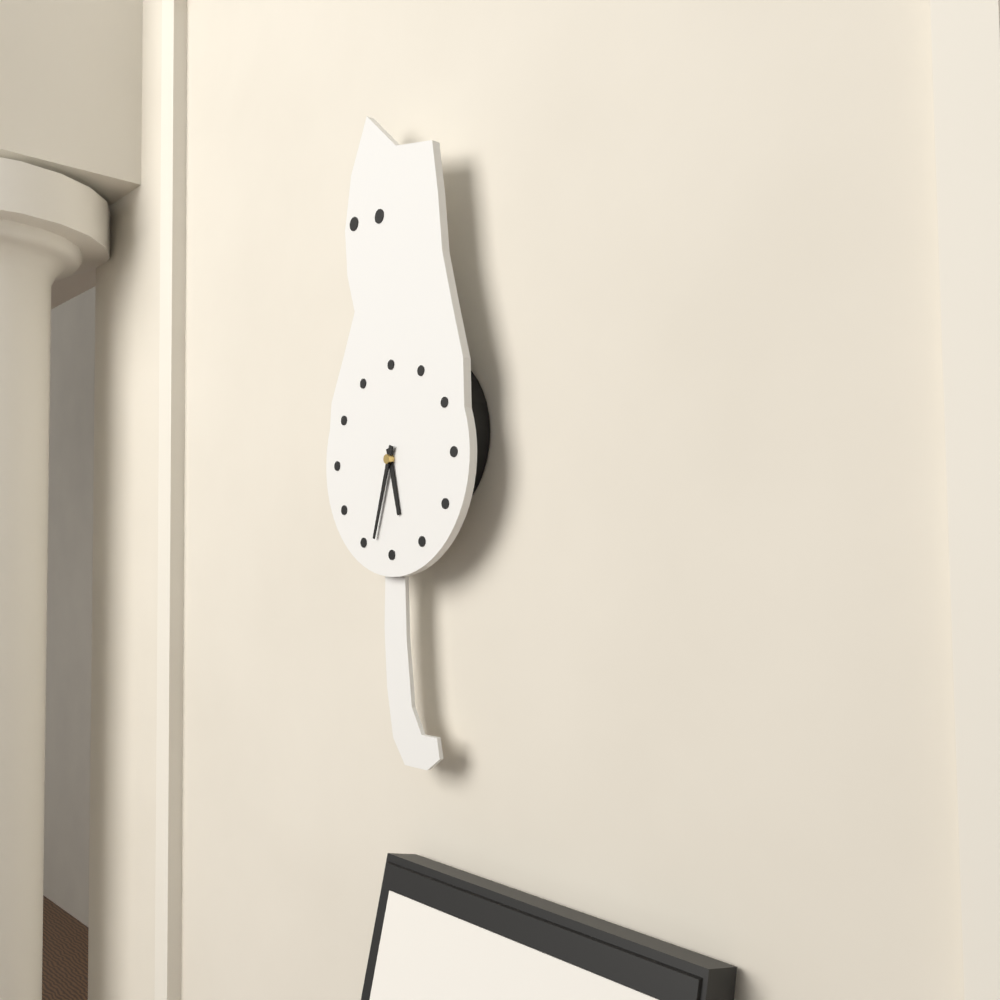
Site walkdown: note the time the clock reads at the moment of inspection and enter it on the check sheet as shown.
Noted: 5:33
